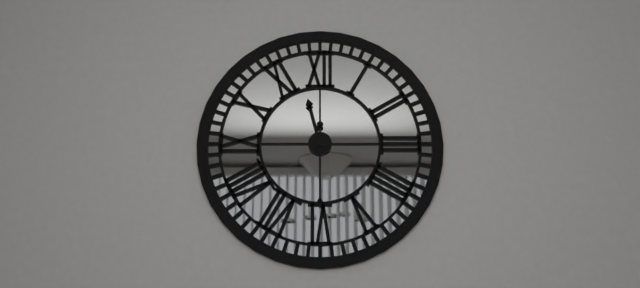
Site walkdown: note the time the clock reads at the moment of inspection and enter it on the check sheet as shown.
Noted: 11:30
